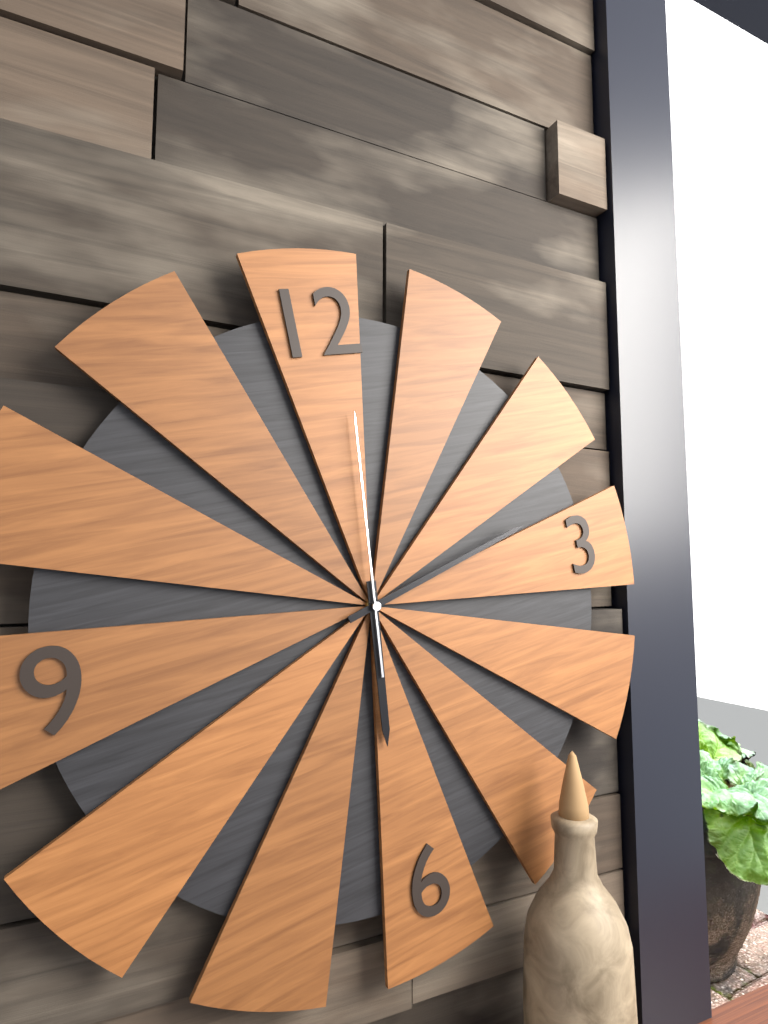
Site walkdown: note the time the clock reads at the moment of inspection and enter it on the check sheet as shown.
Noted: 6:13:01
